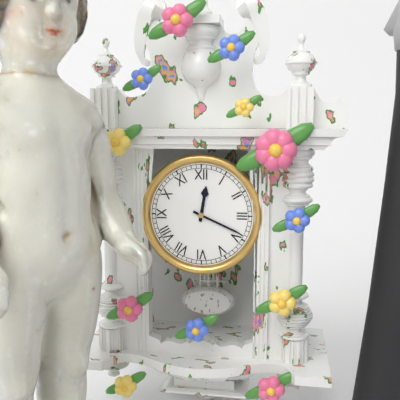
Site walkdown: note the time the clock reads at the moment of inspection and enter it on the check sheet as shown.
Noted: 12:19
